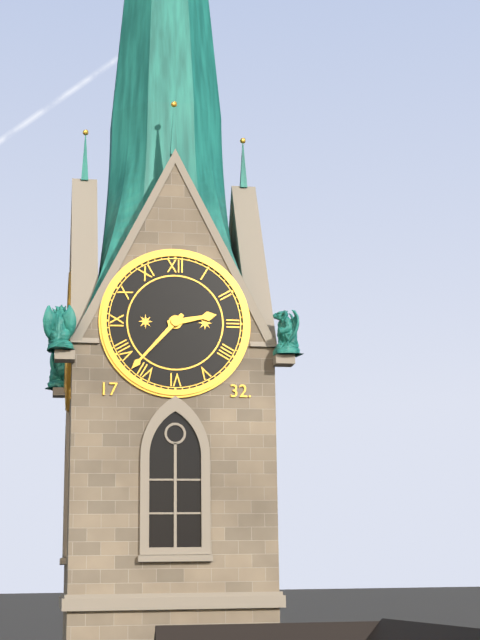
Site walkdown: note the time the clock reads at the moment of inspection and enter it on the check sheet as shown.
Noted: 2:37
